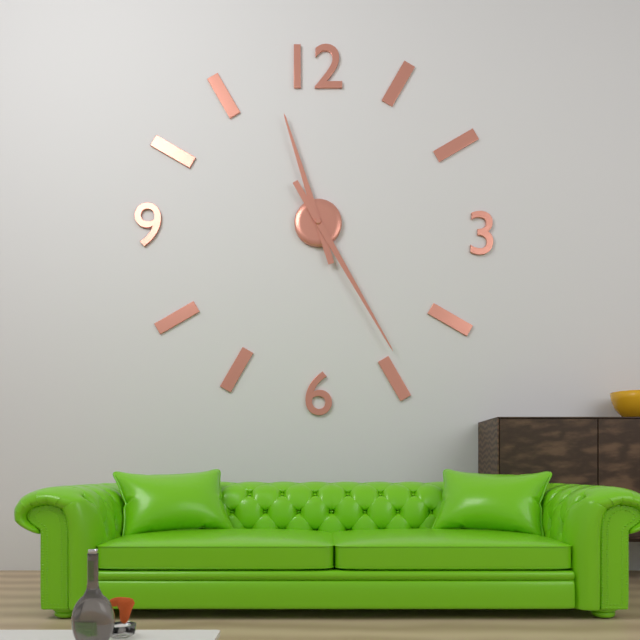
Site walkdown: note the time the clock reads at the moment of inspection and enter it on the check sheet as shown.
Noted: 11:25
